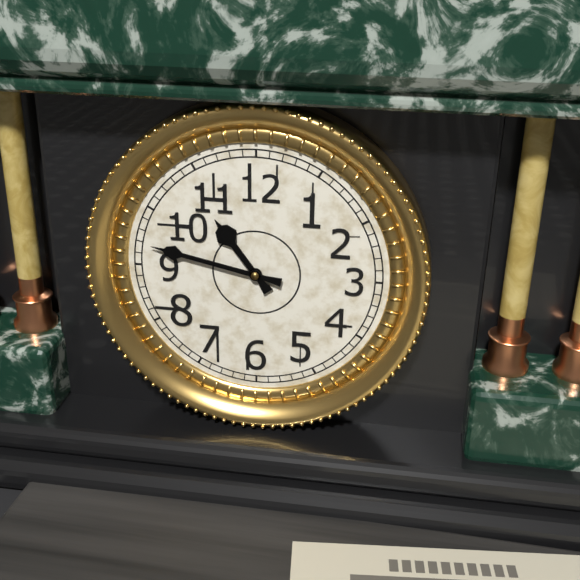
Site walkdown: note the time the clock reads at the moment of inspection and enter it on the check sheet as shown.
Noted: 10:47
